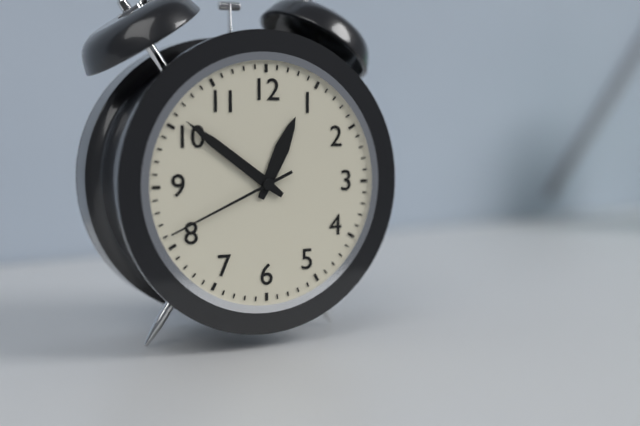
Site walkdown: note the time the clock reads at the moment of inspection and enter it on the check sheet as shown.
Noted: 12:51:41
